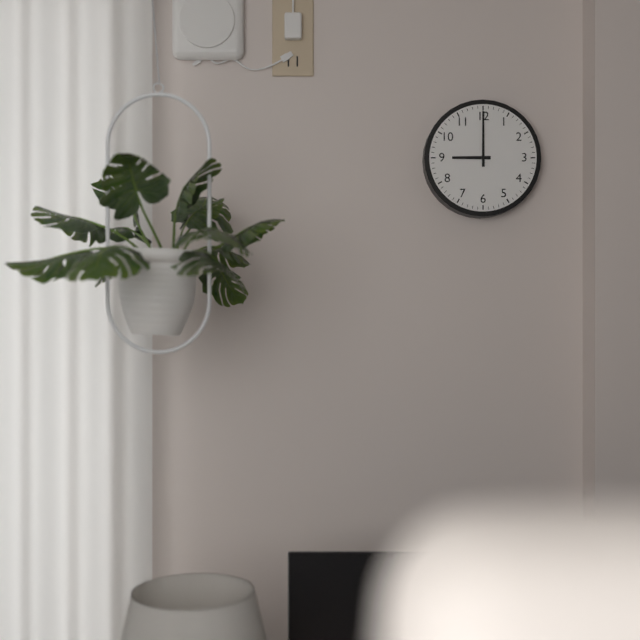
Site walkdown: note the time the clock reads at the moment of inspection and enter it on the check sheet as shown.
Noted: 9:00
